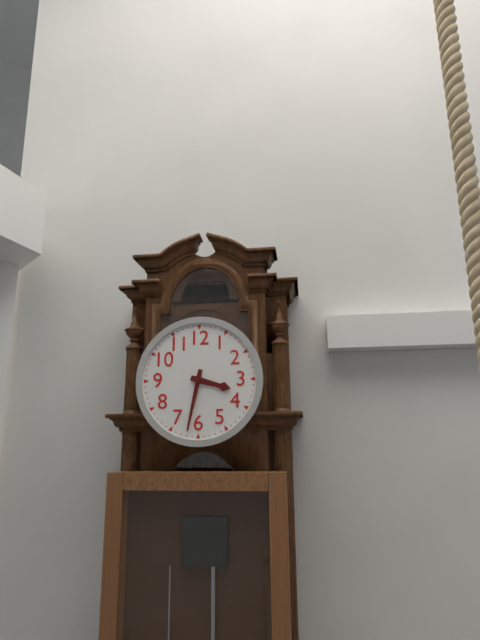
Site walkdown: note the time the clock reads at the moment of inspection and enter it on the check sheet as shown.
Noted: 3:32
